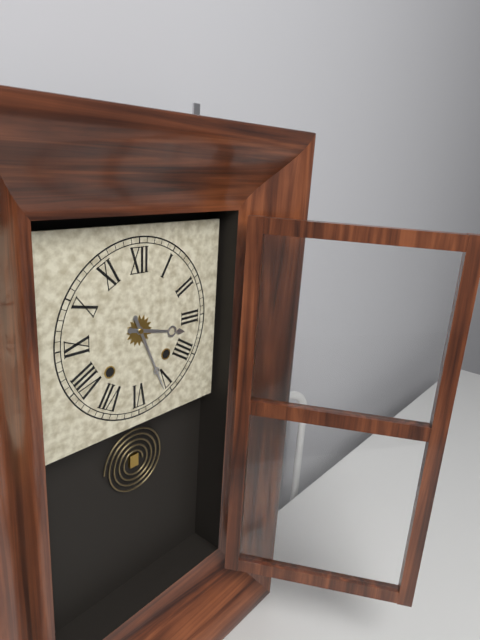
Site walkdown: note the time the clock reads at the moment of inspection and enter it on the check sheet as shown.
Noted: 3:26
